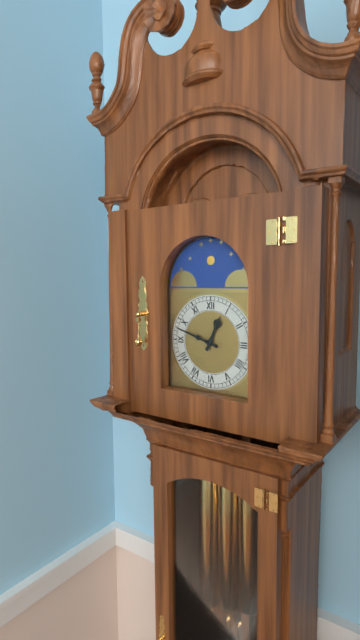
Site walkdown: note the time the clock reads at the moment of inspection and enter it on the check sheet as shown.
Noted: 12:48
